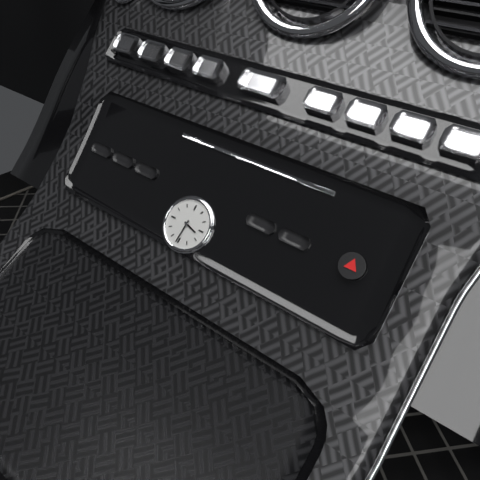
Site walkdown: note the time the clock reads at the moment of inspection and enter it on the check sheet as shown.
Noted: 3:31
